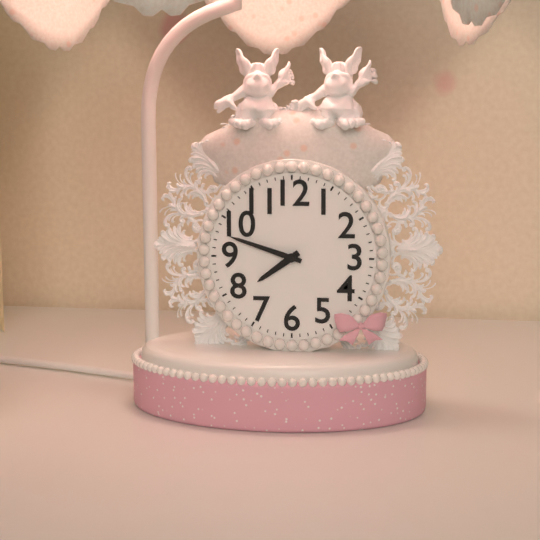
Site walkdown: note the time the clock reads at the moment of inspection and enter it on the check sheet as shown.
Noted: 7:48
